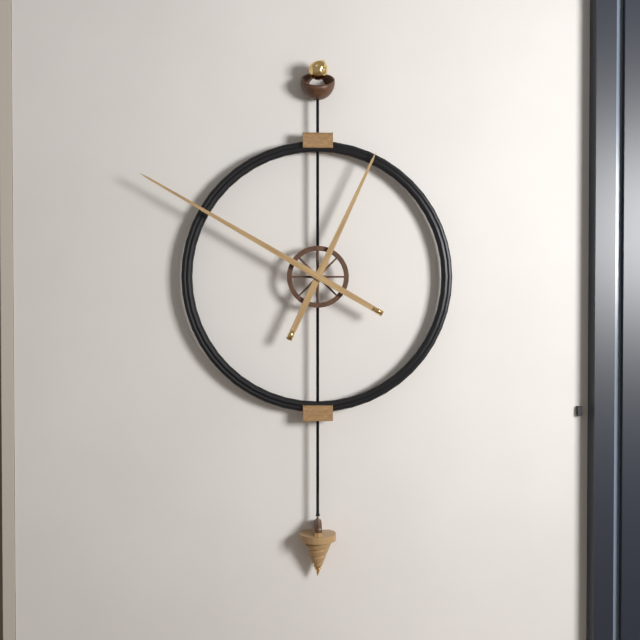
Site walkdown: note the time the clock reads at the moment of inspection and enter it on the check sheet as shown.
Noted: 12:50
